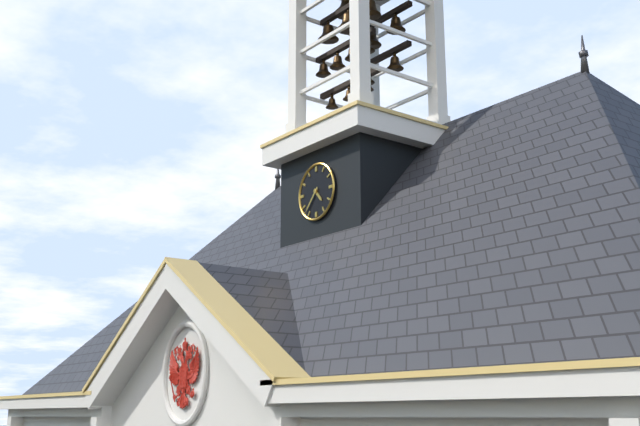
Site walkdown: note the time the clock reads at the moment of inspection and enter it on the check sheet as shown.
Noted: 4:37
